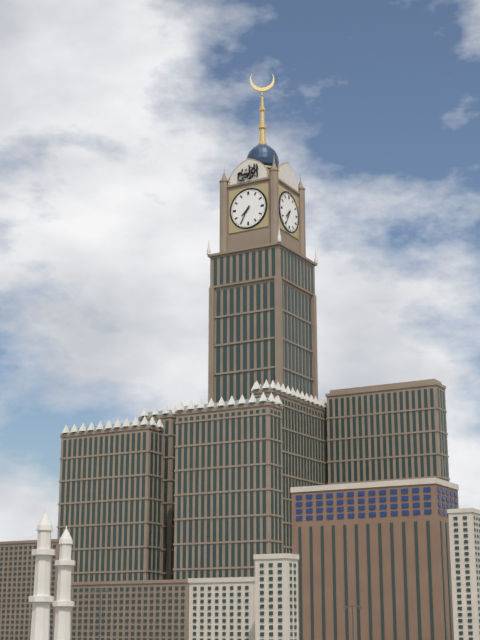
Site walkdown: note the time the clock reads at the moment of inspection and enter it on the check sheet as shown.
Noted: 7:35
